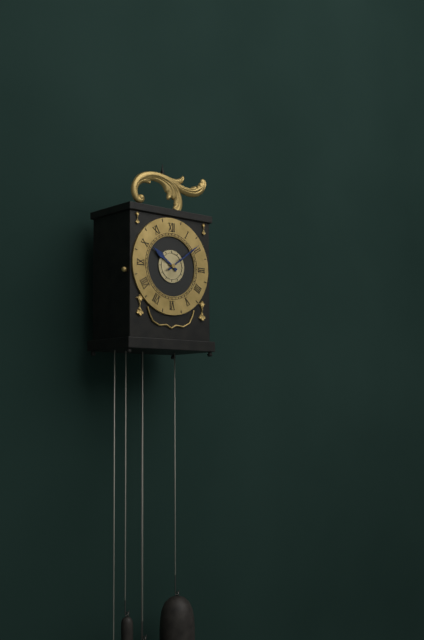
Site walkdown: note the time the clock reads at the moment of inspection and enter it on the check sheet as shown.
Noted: 10:09
